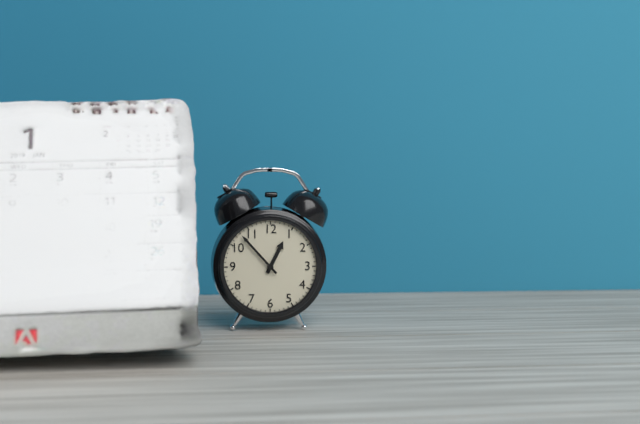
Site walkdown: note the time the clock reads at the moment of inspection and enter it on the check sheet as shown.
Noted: 12:53
